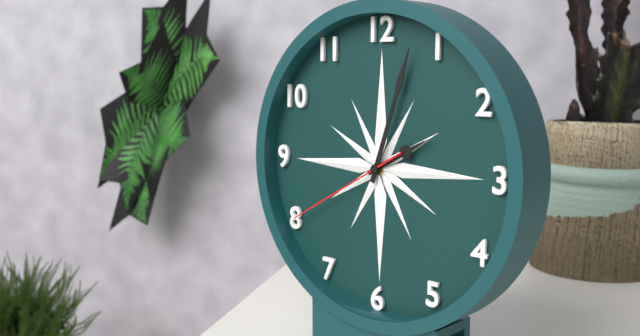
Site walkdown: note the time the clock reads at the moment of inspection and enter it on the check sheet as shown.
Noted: 2:03:40
